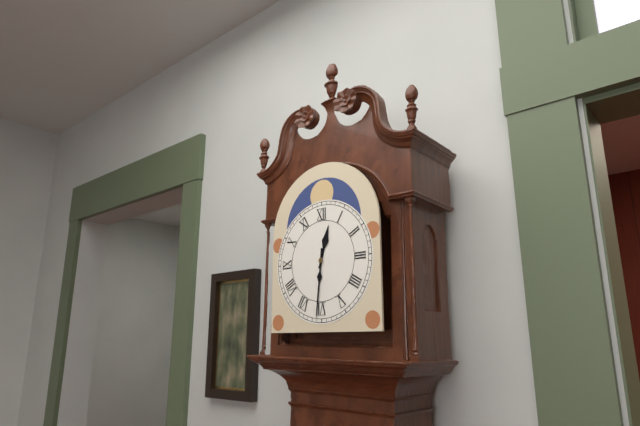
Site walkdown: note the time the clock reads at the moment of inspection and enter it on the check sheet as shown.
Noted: 12:31
